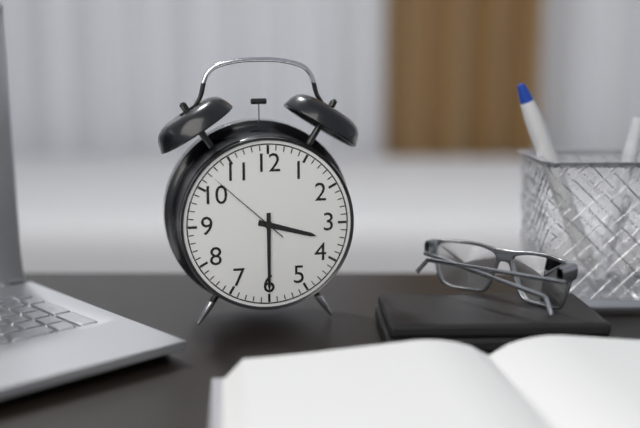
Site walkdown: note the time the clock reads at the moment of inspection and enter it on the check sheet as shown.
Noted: 3:30:52
